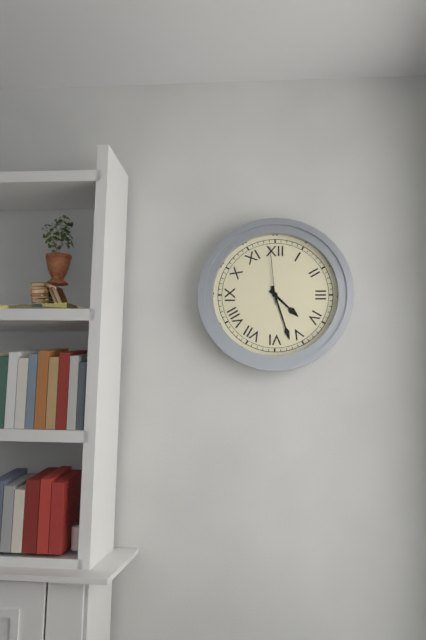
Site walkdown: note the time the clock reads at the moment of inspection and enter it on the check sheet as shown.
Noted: 4:27:59
